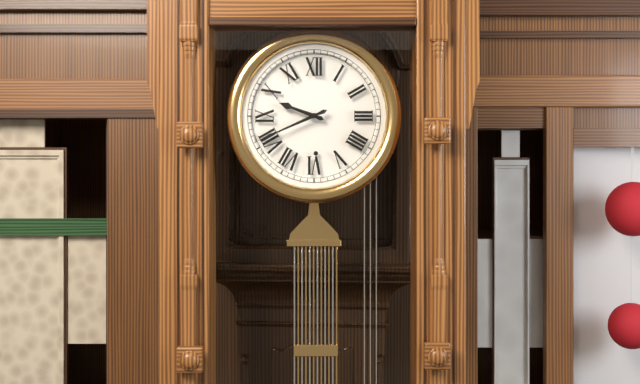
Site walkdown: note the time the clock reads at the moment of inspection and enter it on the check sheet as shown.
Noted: 9:41
